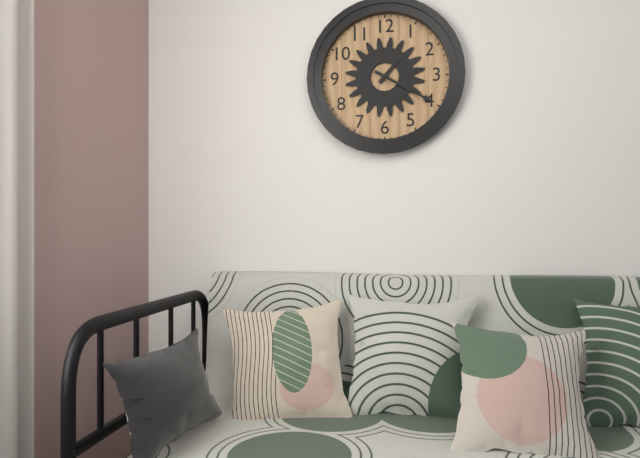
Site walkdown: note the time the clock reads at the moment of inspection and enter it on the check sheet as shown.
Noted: 1:20
